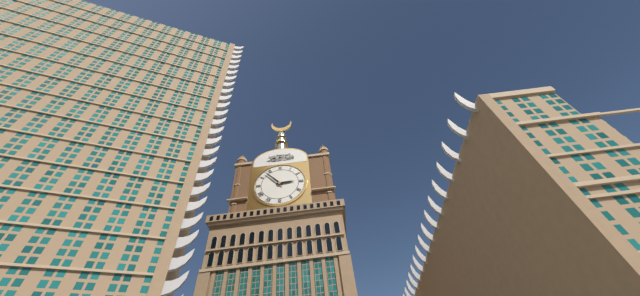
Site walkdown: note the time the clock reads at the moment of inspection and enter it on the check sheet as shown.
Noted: 2:53
